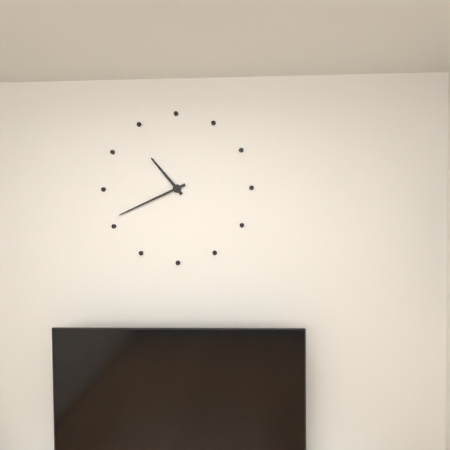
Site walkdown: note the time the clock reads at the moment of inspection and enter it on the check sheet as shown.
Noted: 10:41
